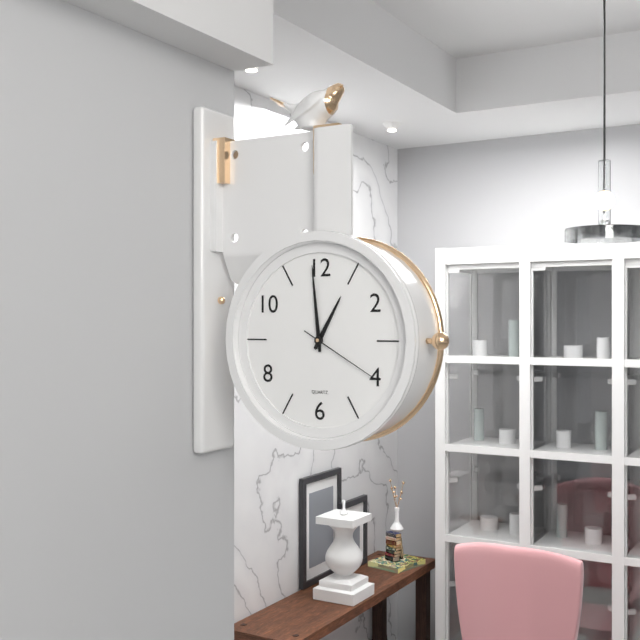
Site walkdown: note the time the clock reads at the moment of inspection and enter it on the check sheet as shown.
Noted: 12:59:20
